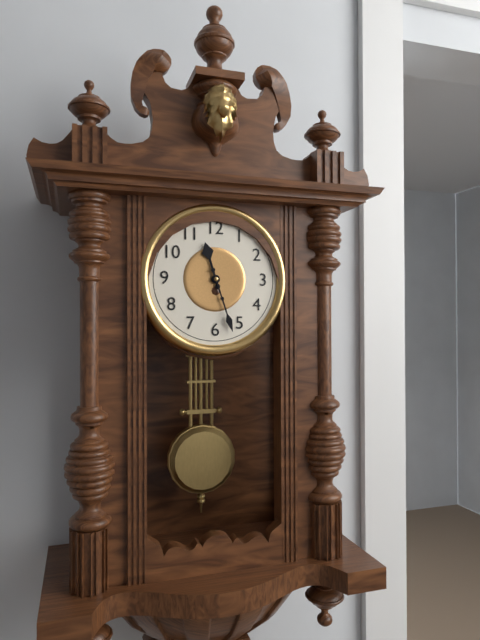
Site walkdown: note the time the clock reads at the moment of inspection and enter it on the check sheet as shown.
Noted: 11:27
